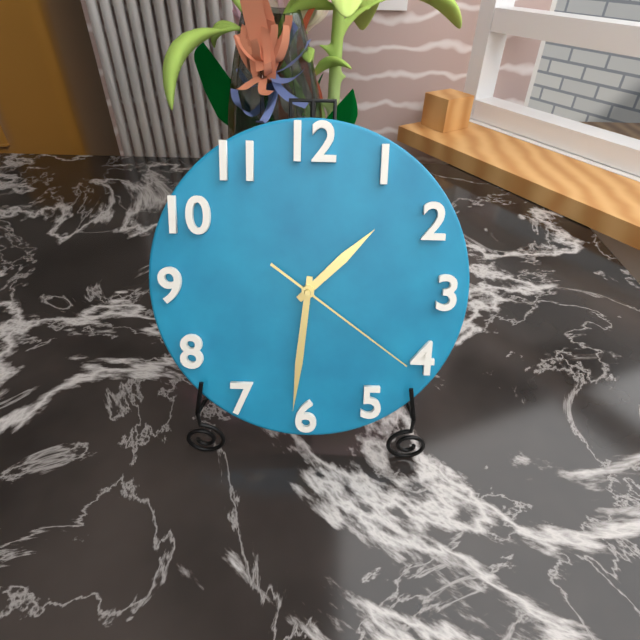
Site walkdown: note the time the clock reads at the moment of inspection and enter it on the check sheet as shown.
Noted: 1:31:21
